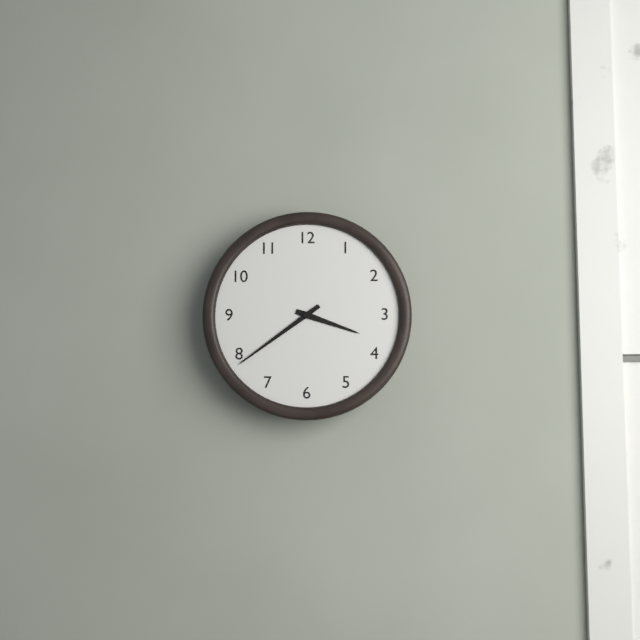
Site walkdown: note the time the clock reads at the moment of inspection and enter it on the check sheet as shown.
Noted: 3:39
